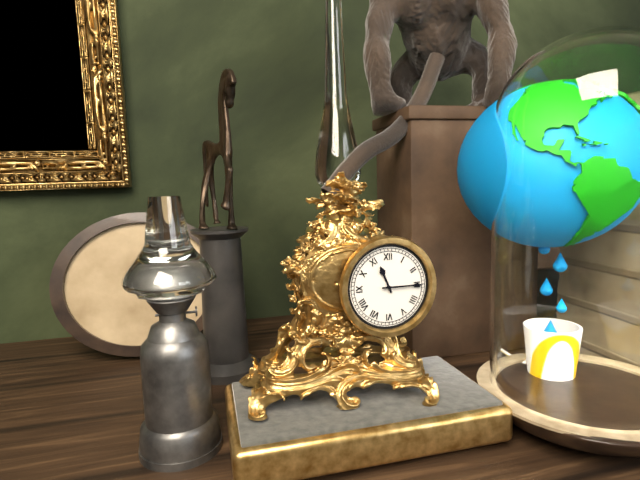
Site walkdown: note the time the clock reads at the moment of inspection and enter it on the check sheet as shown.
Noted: 11:15
